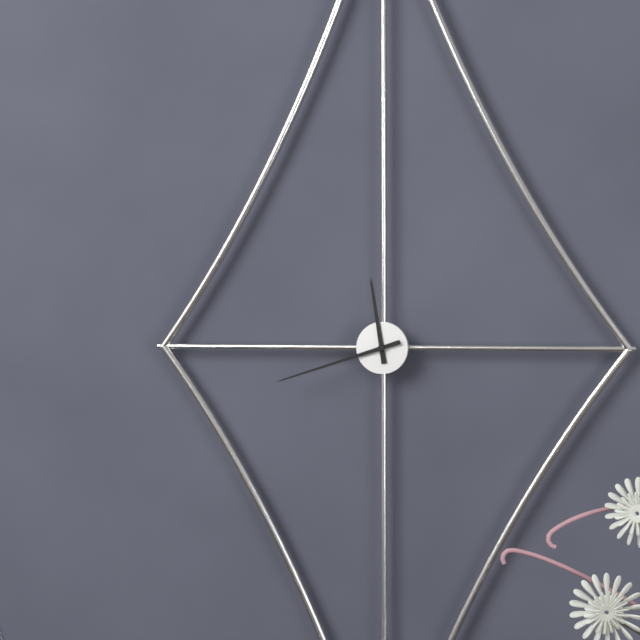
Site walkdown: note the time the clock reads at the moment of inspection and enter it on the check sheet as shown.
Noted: 11:42
